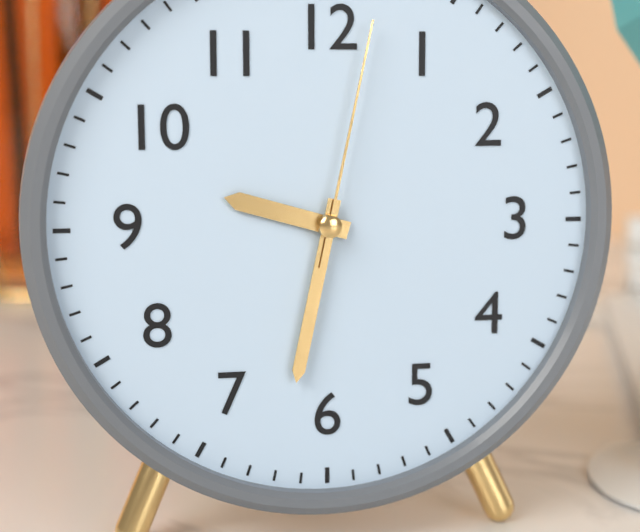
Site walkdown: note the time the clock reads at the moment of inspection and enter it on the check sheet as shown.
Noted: 9:32:02
